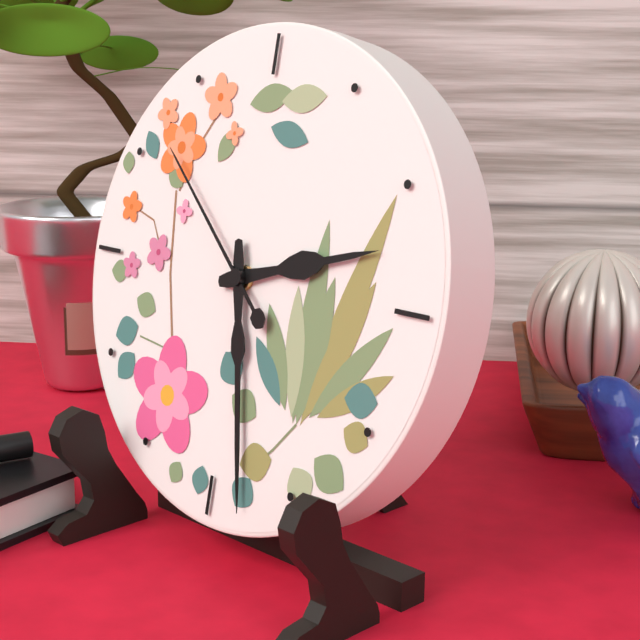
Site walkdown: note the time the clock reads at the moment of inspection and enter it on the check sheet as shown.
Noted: 2:28:52
